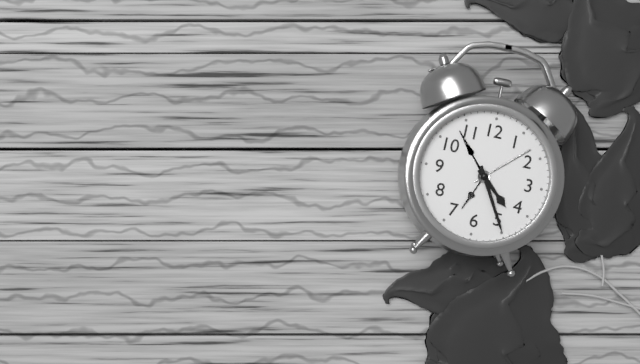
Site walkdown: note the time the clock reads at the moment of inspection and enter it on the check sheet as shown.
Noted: 4:25
